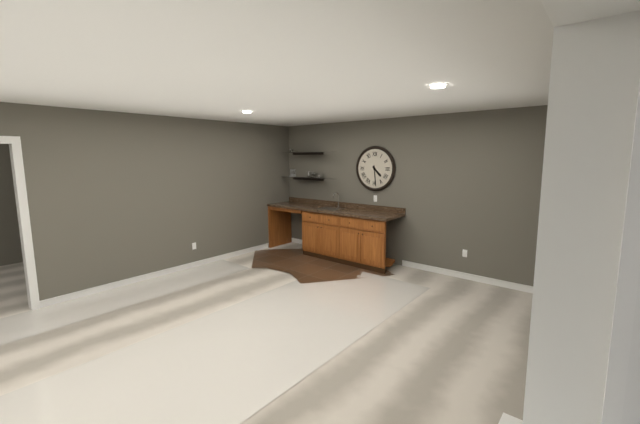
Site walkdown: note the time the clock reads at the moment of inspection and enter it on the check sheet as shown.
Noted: 4:29
